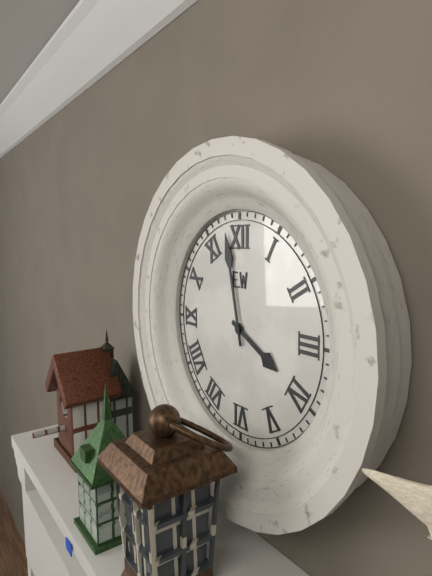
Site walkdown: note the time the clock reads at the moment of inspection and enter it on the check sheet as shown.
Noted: 3:58
